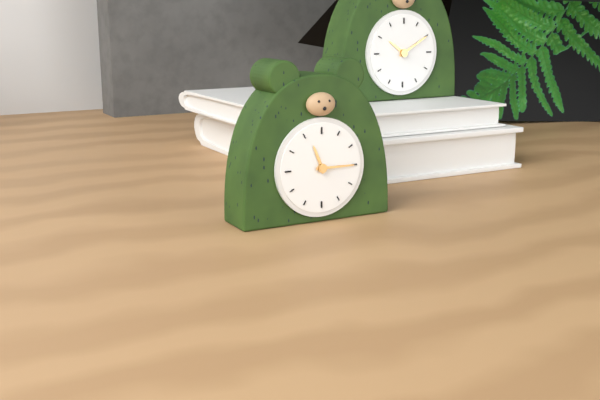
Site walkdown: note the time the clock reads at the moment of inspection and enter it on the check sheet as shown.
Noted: 11:15
